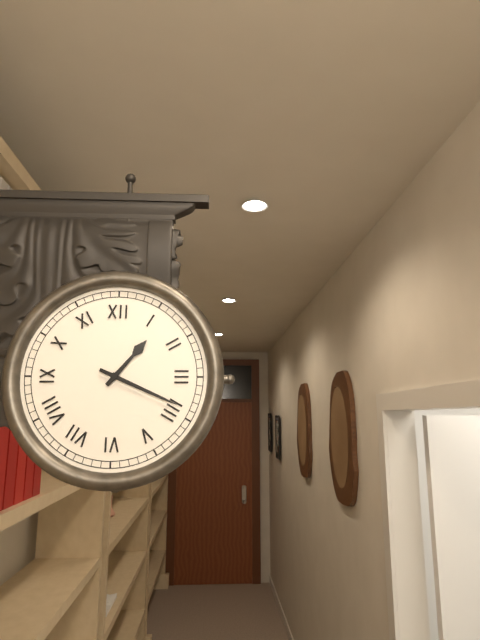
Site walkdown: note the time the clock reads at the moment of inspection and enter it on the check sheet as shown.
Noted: 1:19
